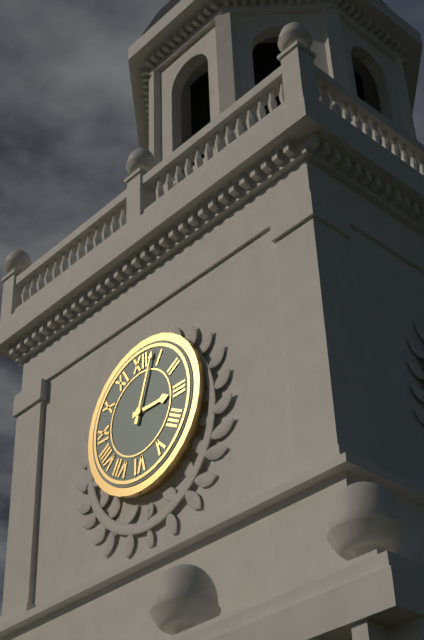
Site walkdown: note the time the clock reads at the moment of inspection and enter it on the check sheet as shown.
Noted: 3:03
